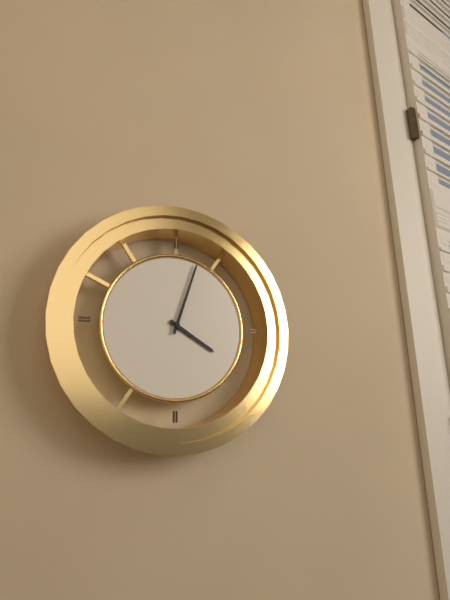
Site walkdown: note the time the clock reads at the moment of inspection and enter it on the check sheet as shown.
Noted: 4:03
